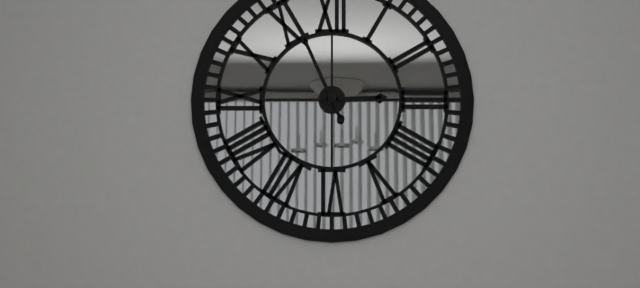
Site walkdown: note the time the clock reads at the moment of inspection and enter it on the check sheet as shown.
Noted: 2:56
